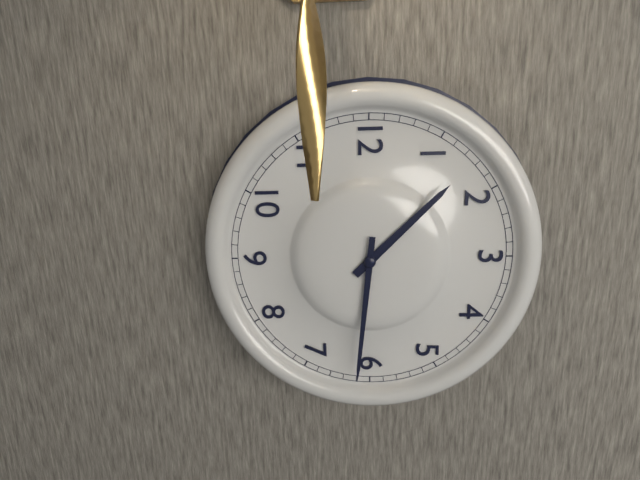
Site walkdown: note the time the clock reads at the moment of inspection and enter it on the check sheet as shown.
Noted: 1:31
